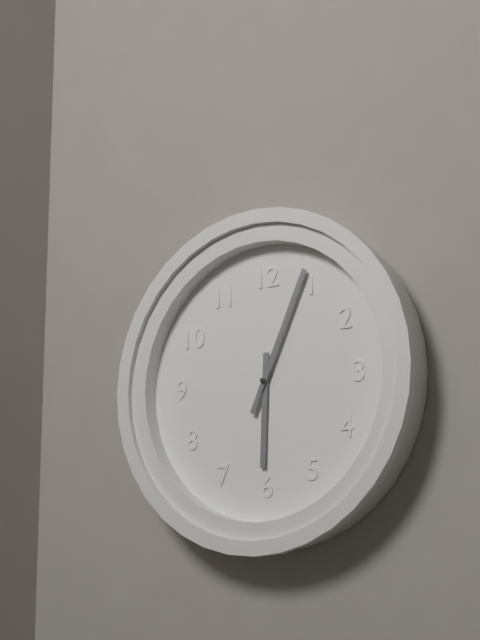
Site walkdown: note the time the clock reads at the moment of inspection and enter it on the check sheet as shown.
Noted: 6:04
